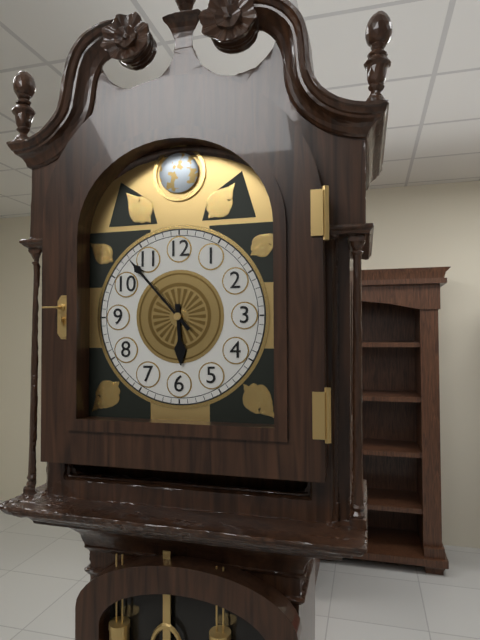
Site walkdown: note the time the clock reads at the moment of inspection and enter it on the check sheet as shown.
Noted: 5:53
